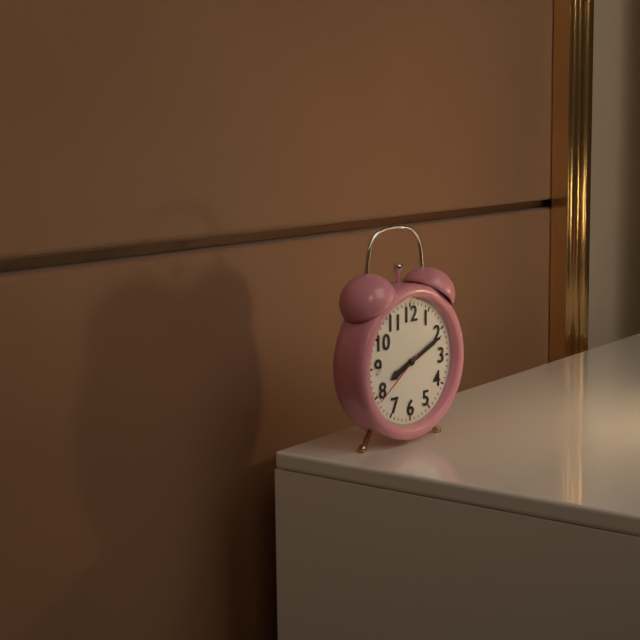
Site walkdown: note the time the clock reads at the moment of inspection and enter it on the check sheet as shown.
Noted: 8:11:39
